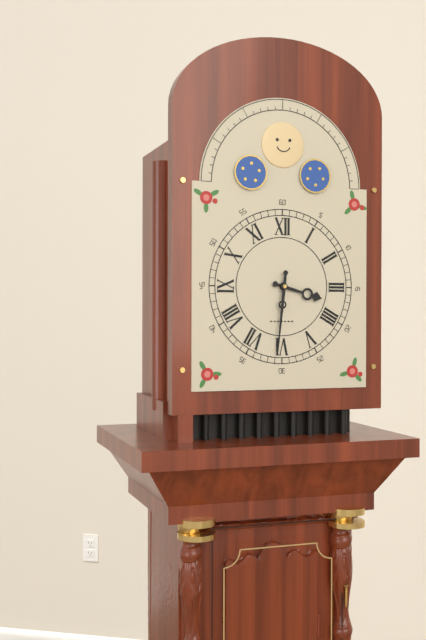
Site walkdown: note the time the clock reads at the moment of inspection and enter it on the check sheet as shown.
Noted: 3:31
